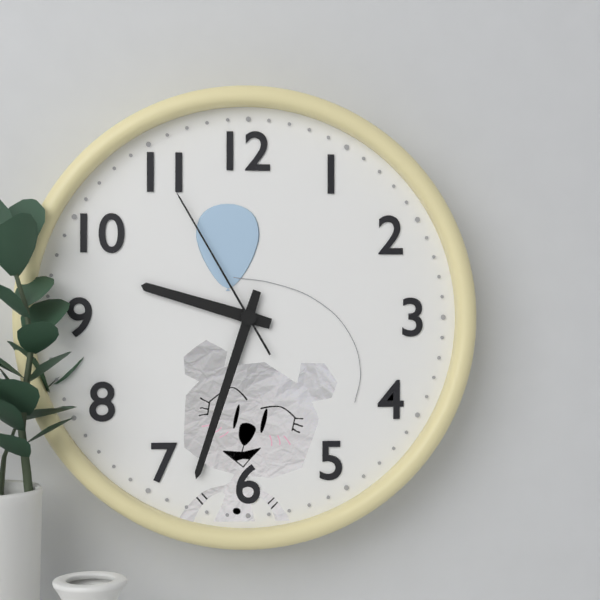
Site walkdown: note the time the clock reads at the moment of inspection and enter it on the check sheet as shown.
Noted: 9:33:55
